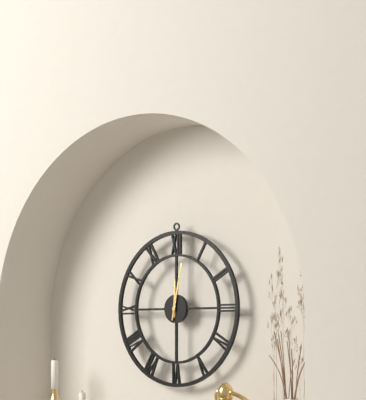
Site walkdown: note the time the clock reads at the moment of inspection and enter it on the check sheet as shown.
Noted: 12:02
